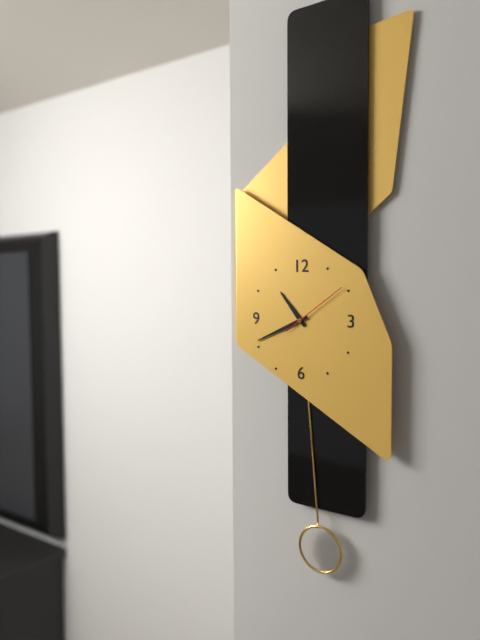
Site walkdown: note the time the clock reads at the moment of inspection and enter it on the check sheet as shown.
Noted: 10:41:09
